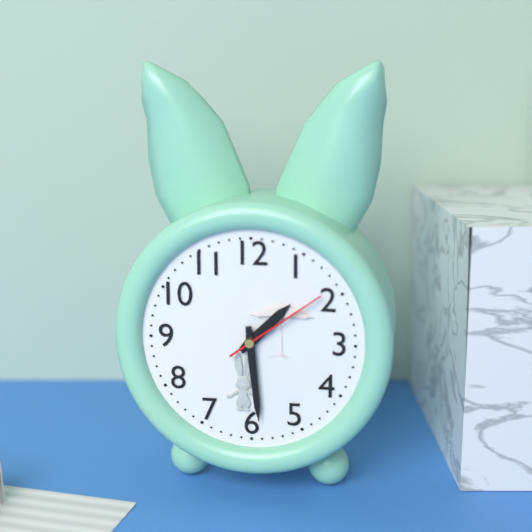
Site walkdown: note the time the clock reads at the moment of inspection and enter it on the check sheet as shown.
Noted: 1:29:09
